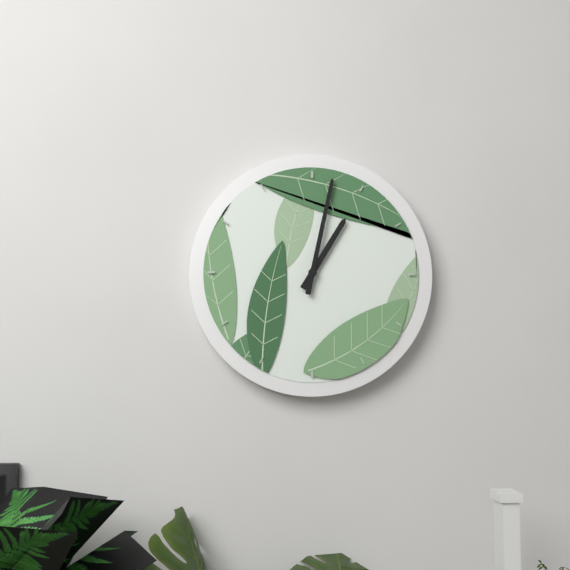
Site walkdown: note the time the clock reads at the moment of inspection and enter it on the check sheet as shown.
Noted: 1:02
